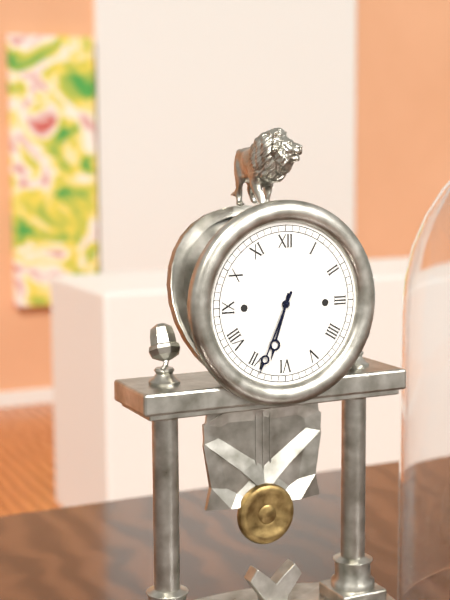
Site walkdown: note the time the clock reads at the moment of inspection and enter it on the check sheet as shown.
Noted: 6:34
